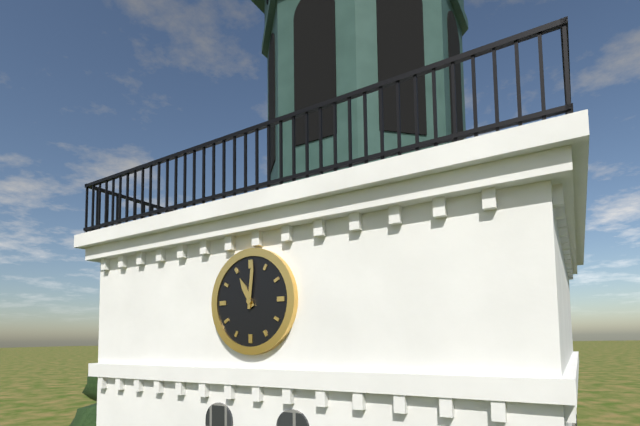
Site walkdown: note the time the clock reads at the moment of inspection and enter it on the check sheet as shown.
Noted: 11:01
